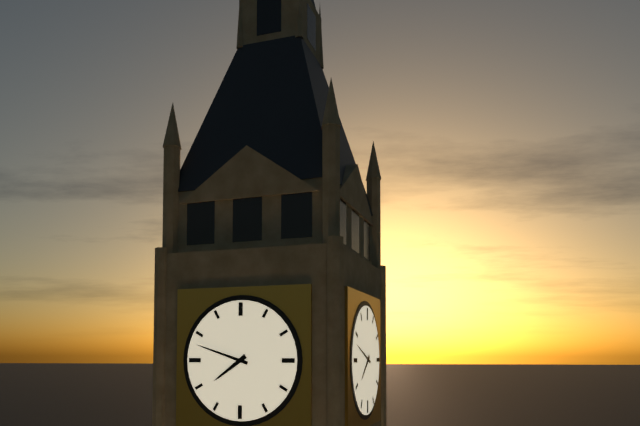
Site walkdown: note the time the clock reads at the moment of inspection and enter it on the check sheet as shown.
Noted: 7:48
